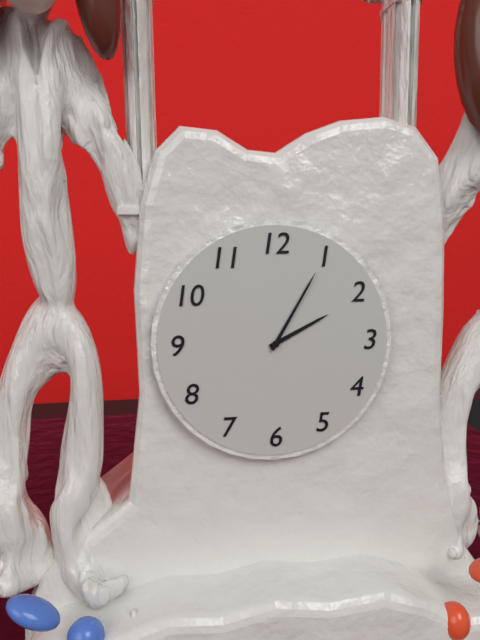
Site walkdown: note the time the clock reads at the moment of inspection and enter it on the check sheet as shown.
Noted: 2:05
